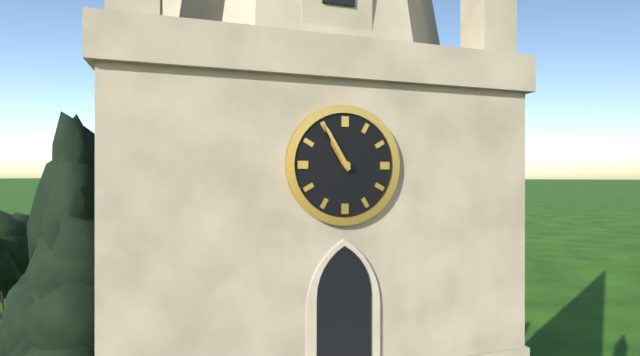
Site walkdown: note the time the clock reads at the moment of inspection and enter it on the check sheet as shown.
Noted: 10:55
